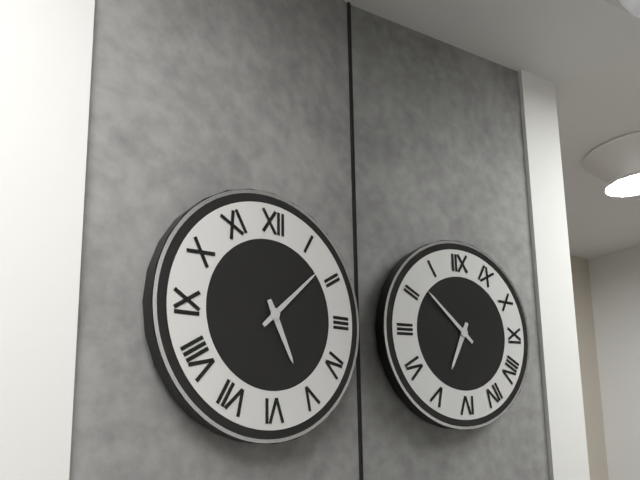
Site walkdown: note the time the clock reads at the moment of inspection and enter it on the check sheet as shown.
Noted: 5:08
